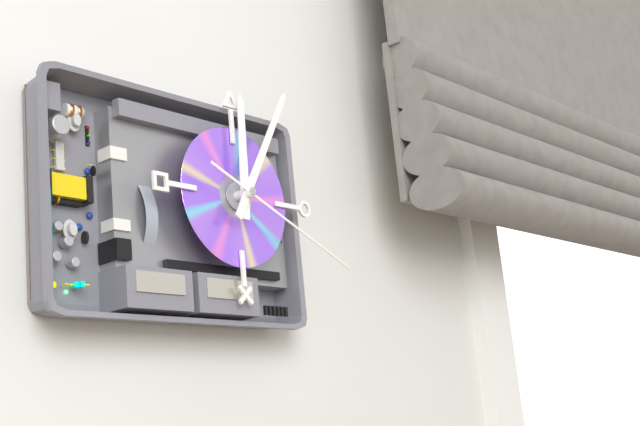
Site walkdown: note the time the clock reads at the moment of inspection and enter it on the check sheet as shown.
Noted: 12:05:19
